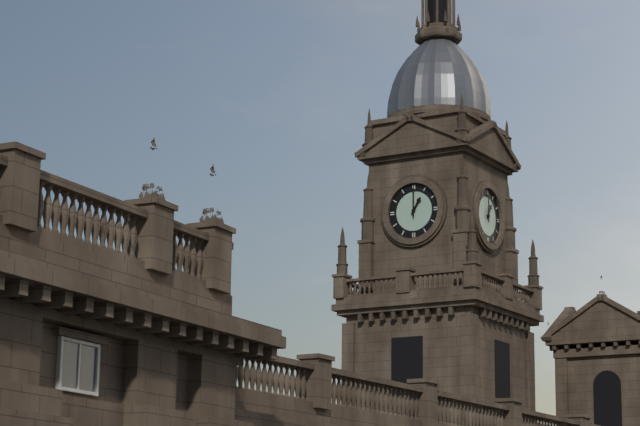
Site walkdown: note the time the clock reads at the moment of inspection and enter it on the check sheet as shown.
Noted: 1:00
